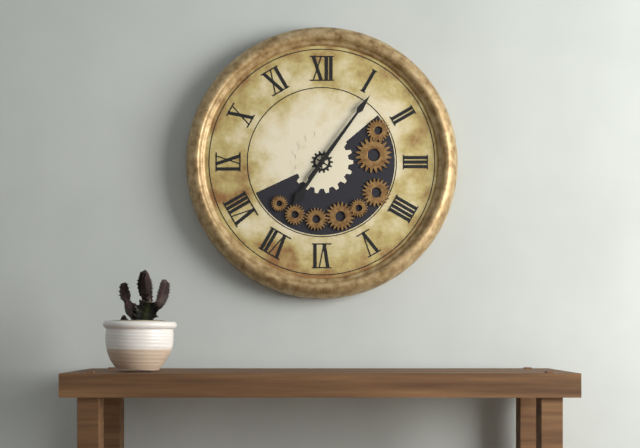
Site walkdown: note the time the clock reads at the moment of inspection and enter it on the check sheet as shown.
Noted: 7:06
